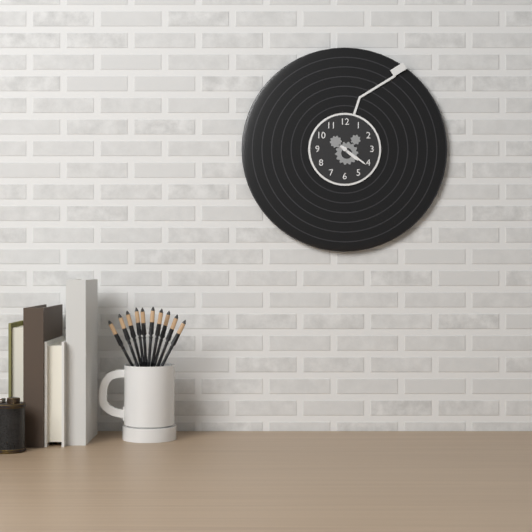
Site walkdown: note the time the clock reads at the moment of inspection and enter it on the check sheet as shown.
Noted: 4:21
